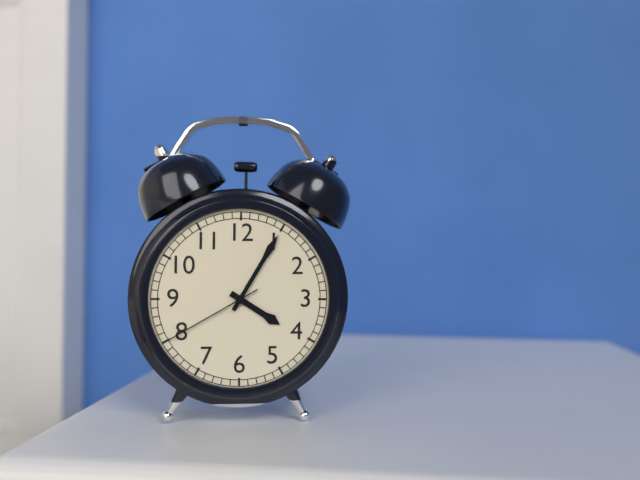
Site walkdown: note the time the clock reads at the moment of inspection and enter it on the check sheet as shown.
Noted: 4:05:40
